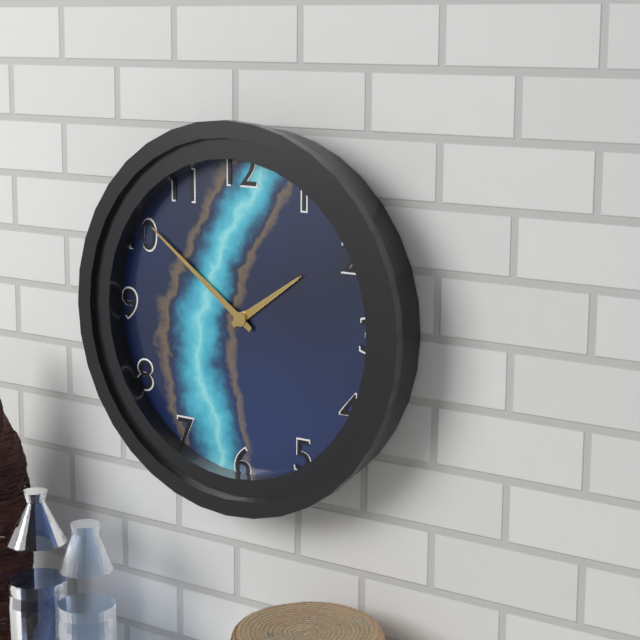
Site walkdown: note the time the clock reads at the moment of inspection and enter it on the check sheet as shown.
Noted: 1:51
